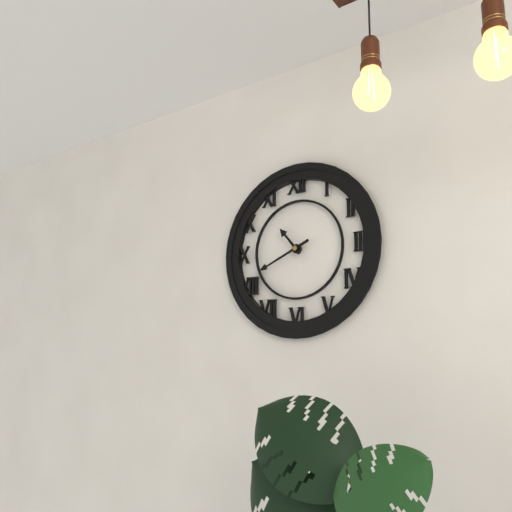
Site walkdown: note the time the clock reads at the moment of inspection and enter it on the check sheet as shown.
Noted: 10:41
